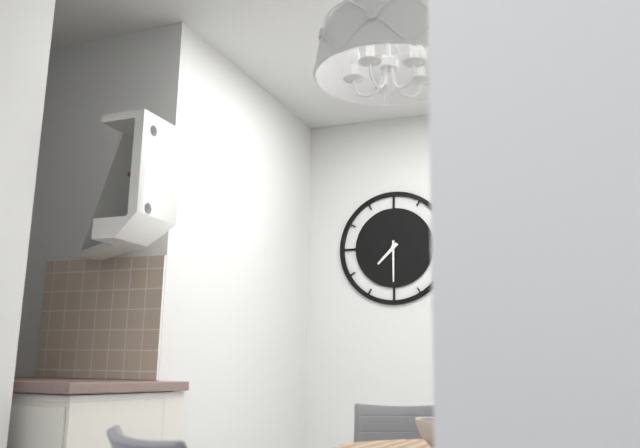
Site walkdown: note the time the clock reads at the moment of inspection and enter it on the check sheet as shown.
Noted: 7:30
